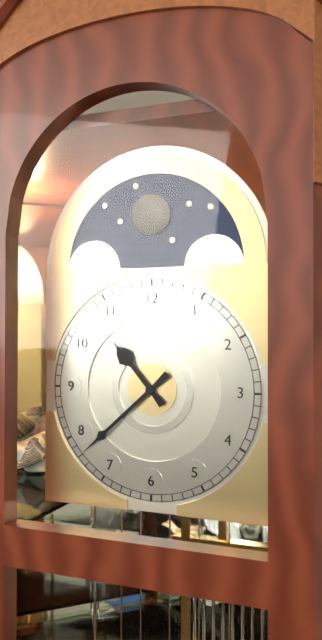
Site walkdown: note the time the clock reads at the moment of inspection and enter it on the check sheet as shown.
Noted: 10:38
